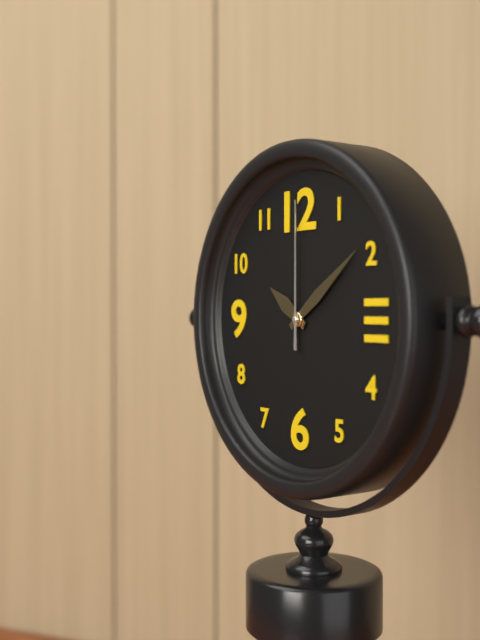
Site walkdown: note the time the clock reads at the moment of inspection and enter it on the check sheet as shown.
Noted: 10:09:00
